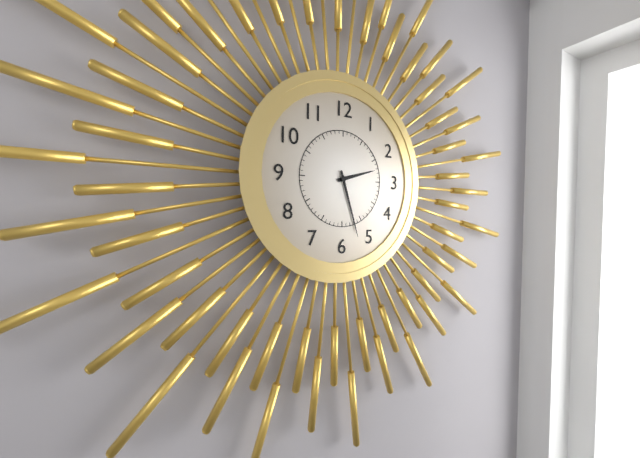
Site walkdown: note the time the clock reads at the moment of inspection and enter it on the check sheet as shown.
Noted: 2:27
